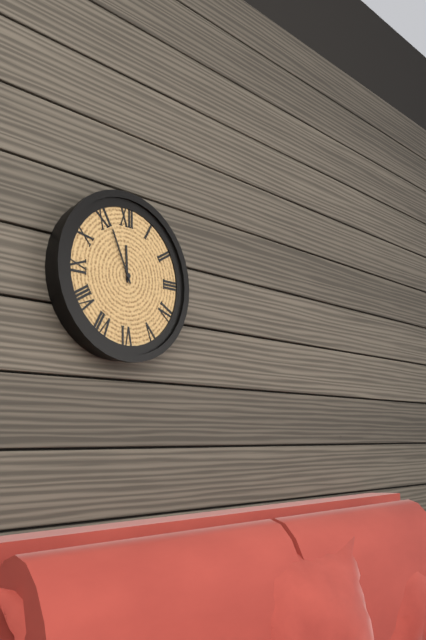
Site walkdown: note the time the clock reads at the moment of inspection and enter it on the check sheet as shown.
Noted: 11:56
